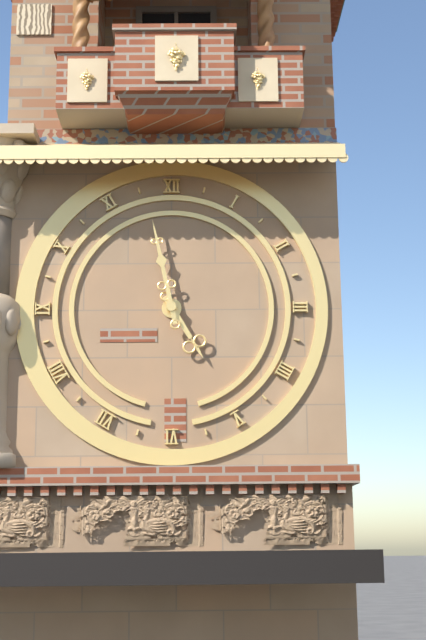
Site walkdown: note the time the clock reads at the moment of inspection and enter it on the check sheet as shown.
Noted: 4:58
